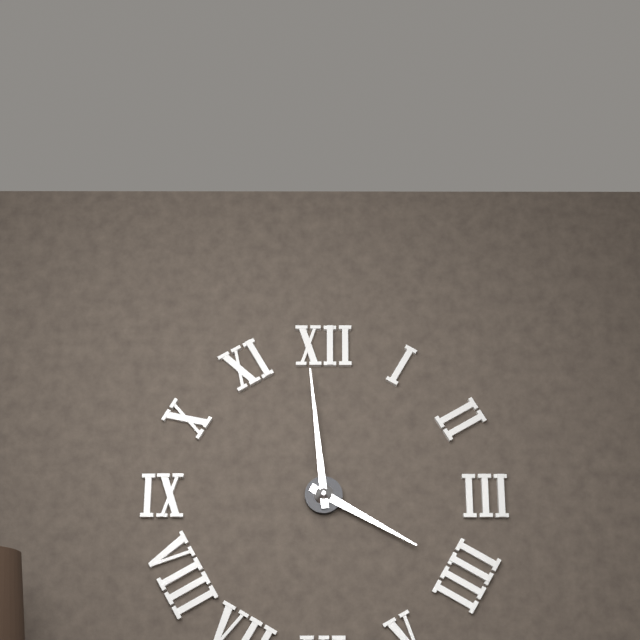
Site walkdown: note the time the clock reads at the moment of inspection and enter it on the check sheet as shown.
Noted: 3:59
